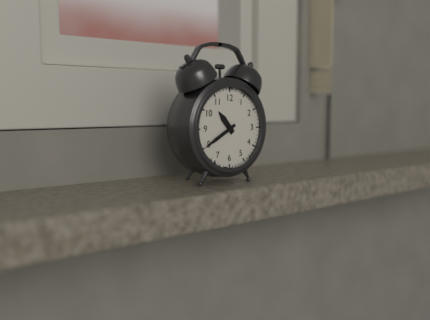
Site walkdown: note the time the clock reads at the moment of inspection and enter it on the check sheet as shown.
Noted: 10:40
